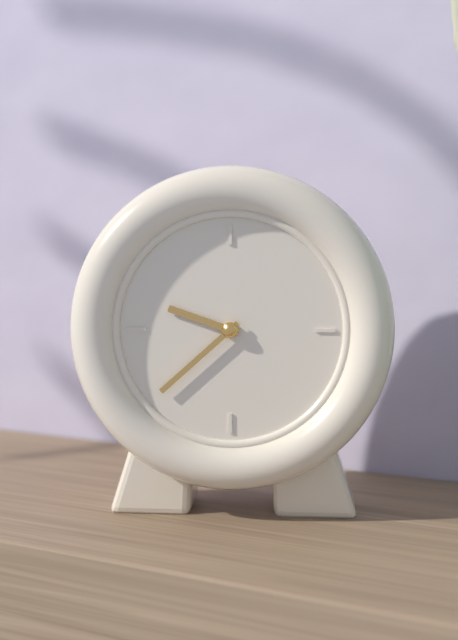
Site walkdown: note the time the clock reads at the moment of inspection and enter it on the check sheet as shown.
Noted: 9:38
